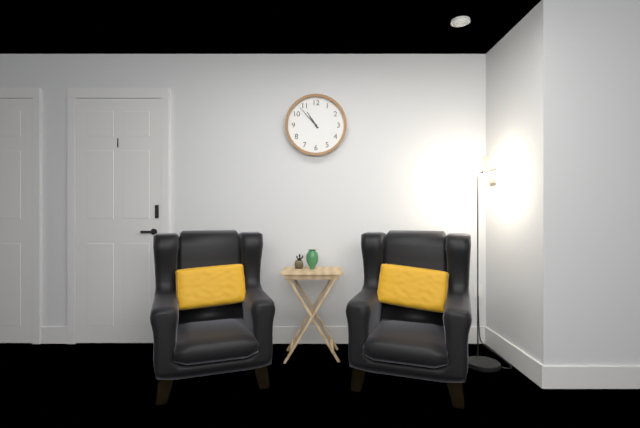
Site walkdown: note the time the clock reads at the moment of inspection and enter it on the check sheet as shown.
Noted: 10:53
